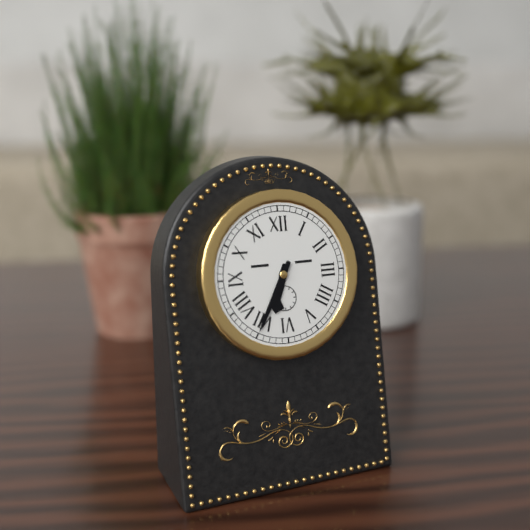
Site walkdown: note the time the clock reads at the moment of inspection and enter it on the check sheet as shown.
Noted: 6:35
